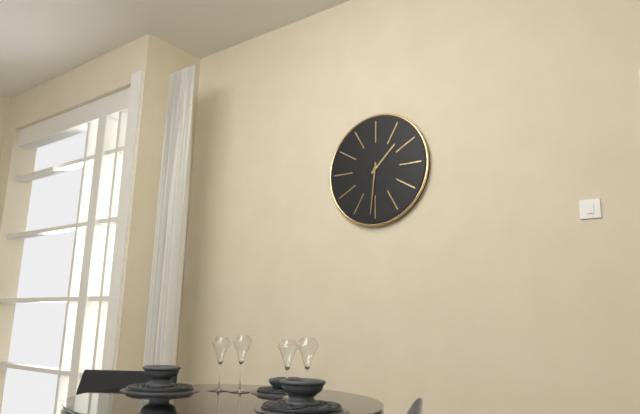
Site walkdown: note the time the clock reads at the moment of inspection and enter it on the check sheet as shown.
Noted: 1:31
